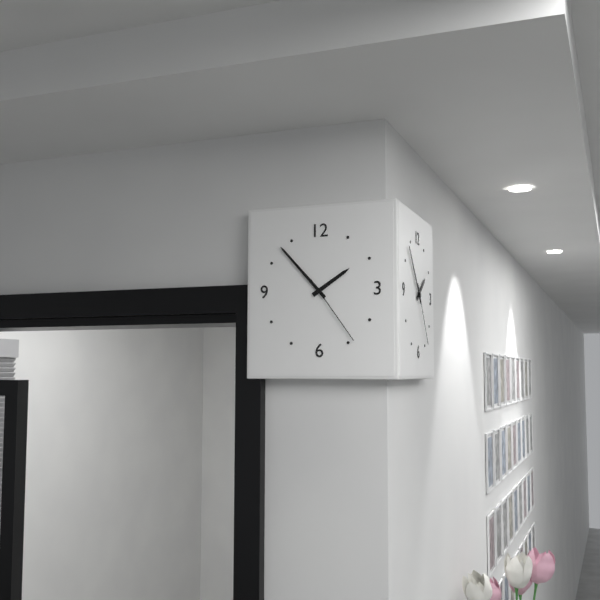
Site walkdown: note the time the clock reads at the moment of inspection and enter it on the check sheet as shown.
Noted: 1:53:24
